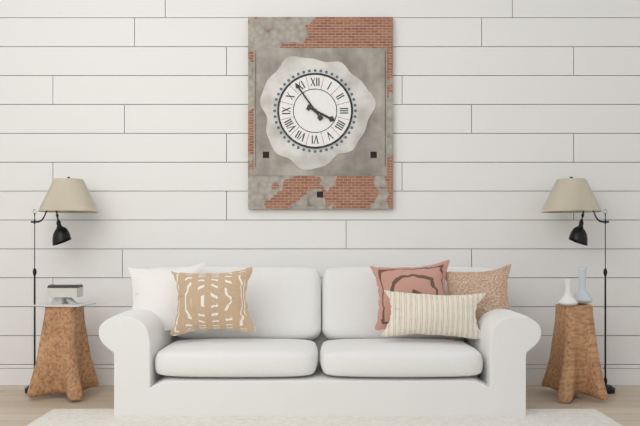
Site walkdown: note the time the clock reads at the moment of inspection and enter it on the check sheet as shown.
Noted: 3:54
